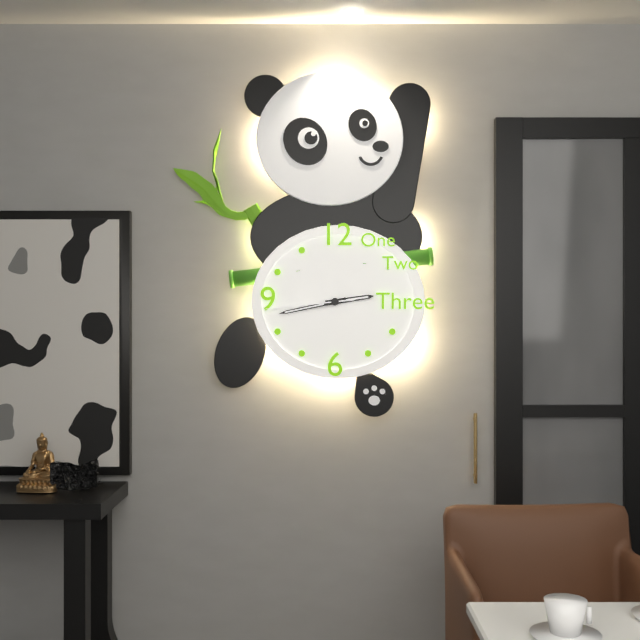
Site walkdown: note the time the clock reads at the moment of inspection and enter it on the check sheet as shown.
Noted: 2:43:44
